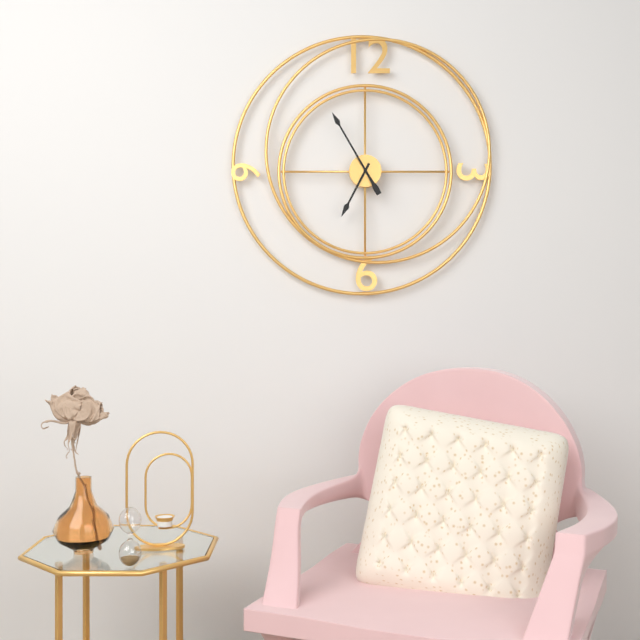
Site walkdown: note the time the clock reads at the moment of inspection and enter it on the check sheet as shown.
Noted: 6:55
